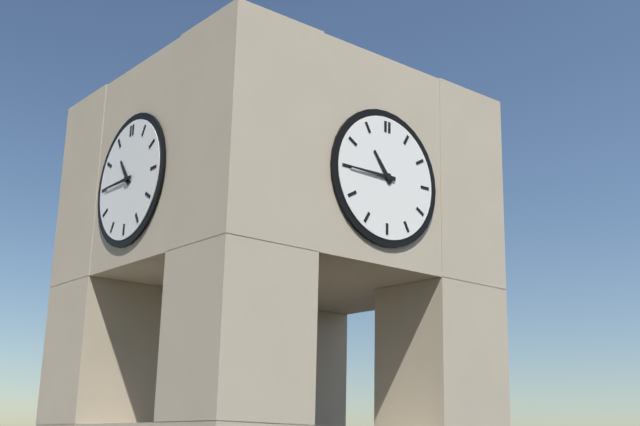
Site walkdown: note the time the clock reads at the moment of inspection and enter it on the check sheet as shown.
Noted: 10:45
